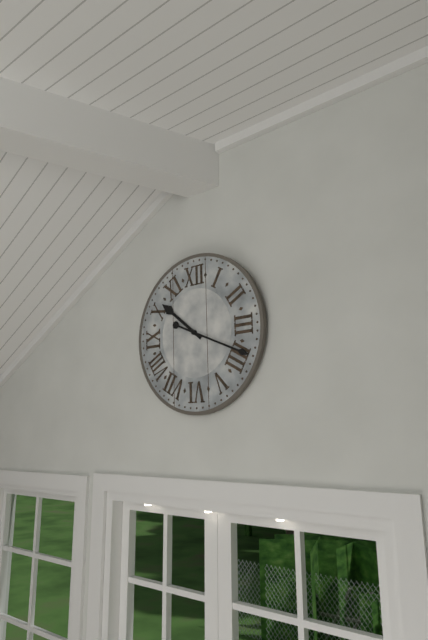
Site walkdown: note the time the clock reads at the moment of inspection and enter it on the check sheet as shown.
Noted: 10:19
